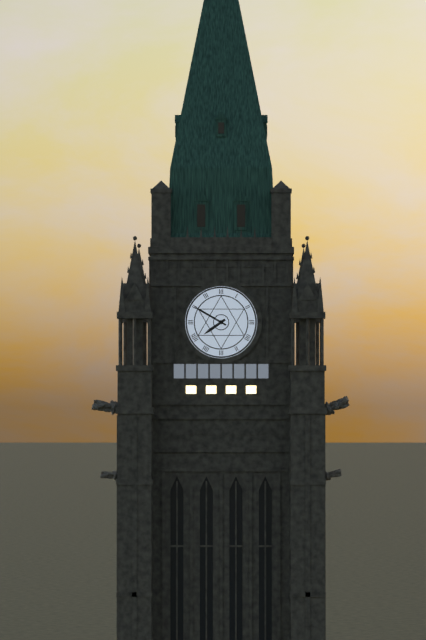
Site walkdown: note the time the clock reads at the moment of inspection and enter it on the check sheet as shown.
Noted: 7:50
